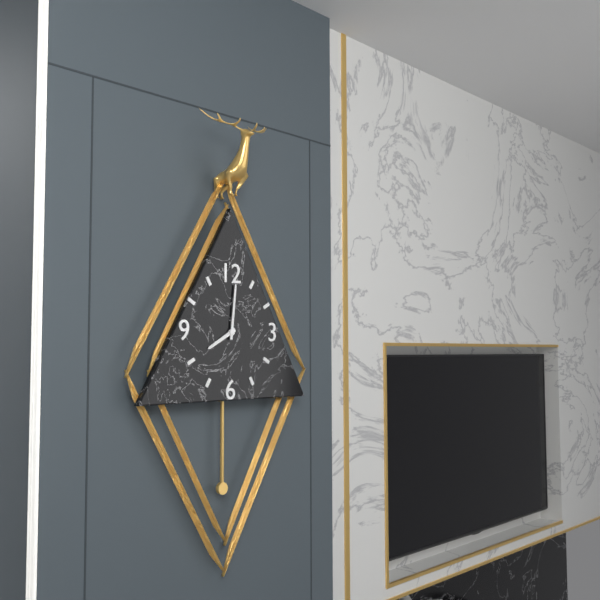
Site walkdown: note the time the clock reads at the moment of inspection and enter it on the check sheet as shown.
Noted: 8:01
